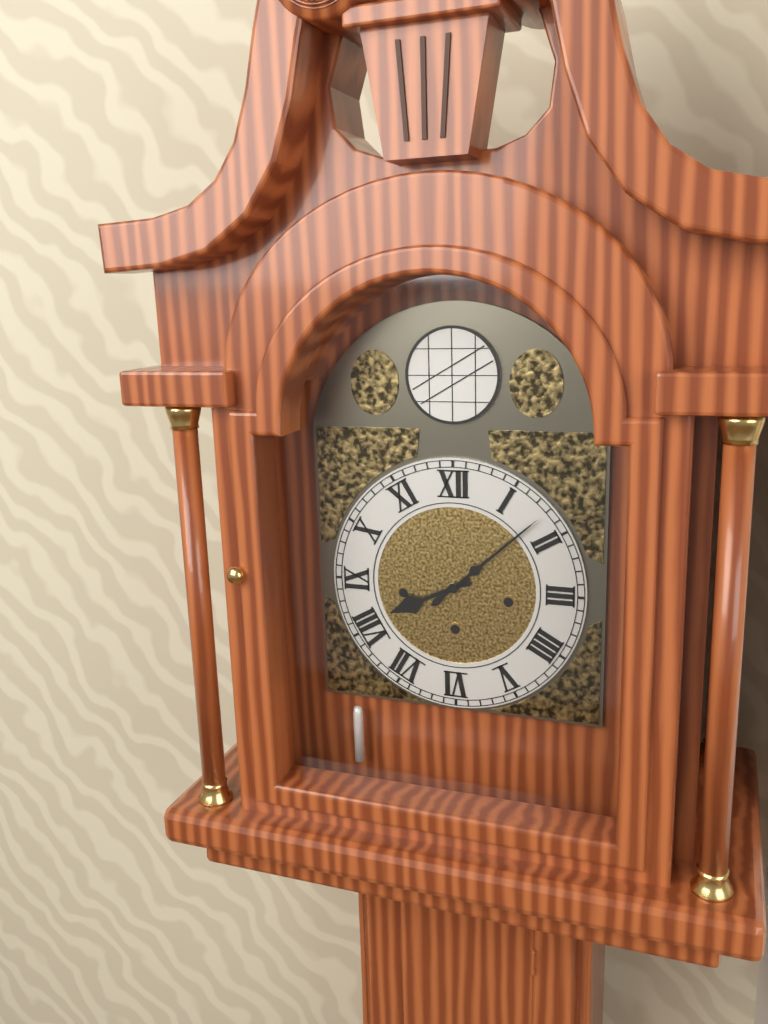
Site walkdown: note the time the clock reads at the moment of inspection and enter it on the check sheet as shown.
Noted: 8:08
